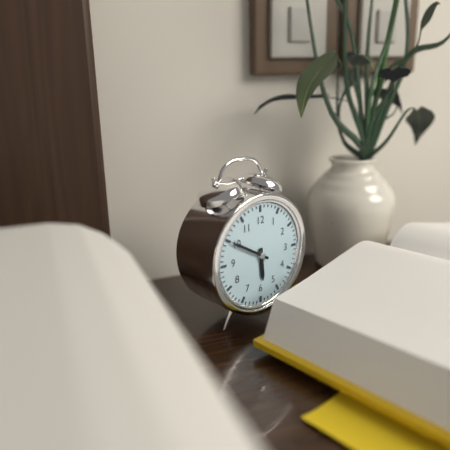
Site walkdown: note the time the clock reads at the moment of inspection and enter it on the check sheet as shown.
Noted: 5:50
